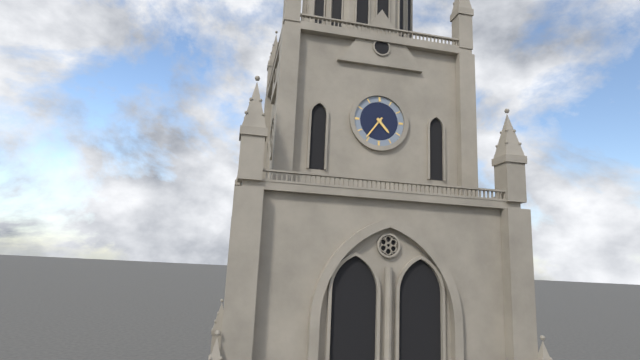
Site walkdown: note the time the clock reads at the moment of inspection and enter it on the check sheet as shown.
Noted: 4:36
